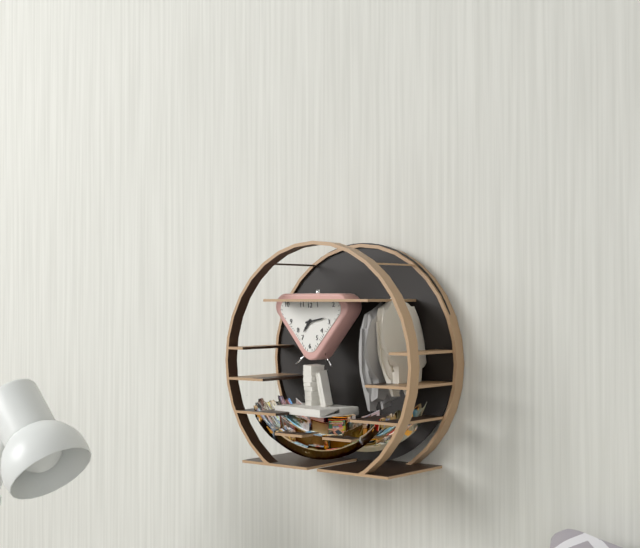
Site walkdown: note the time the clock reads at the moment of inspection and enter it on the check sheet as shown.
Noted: 7:13
